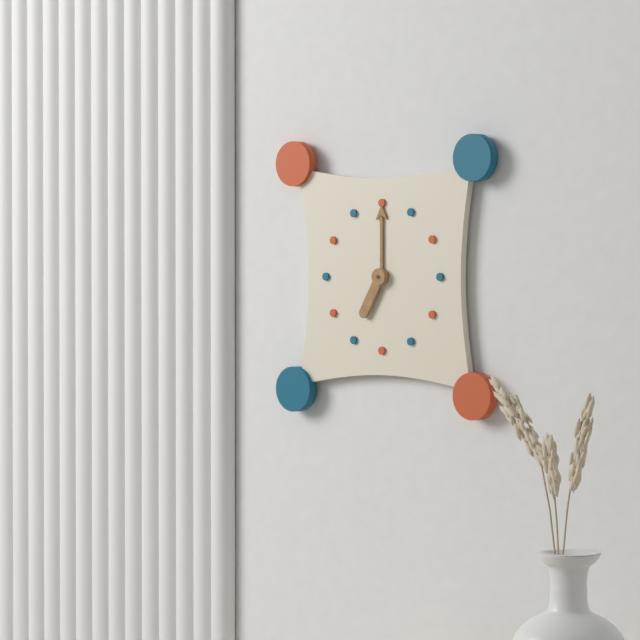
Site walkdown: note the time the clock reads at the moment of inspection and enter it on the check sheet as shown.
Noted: 7:00
